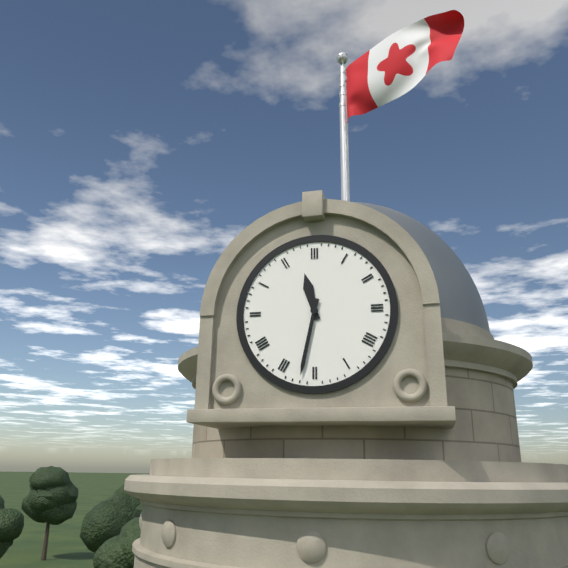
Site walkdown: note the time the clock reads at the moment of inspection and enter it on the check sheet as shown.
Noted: 11:32
